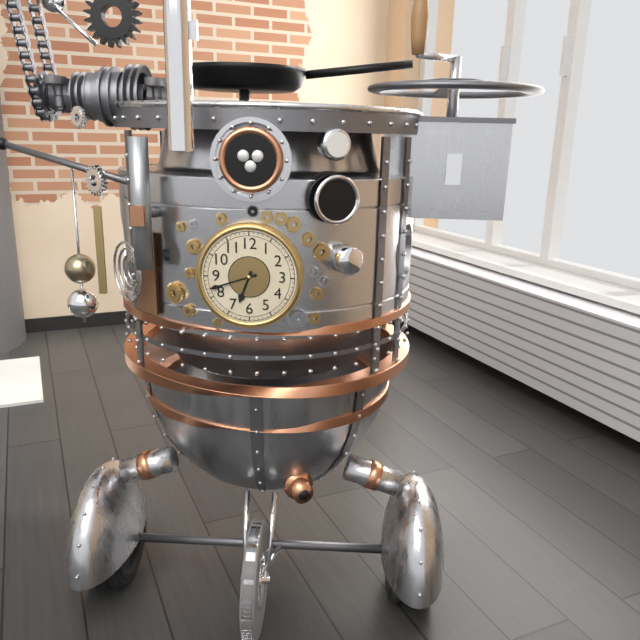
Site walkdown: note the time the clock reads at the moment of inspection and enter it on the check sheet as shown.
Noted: 6:42
